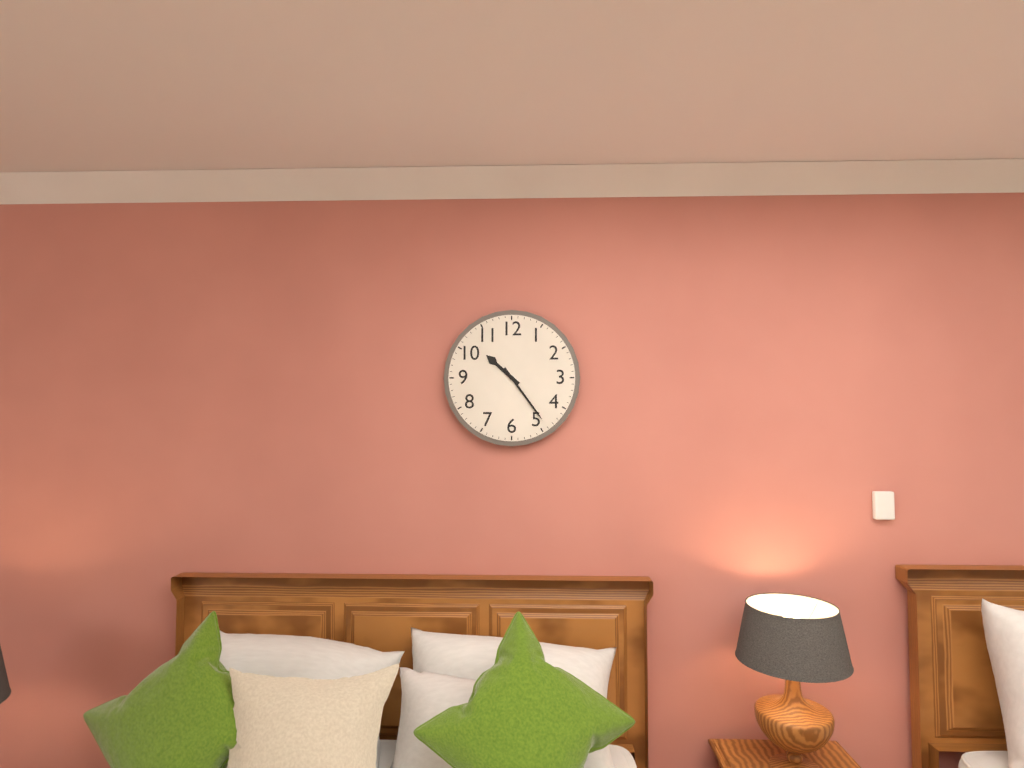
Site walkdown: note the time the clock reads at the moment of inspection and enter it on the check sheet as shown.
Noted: 10:24
